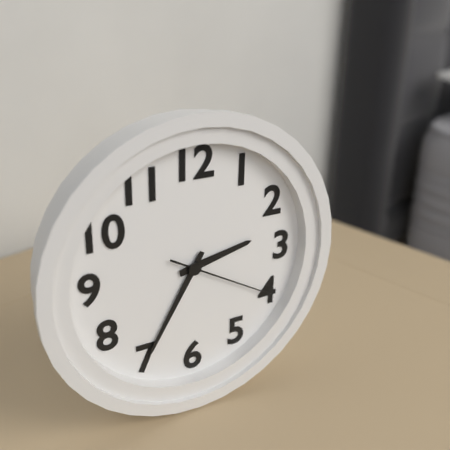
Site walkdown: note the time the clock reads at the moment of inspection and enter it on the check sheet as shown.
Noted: 2:35:20
